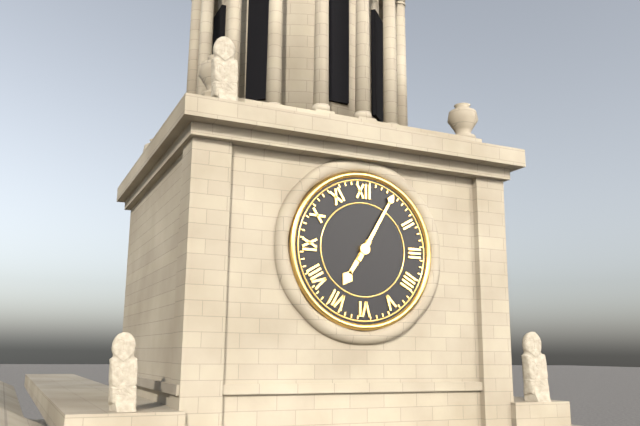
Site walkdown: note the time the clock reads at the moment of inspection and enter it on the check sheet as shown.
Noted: 7:05
